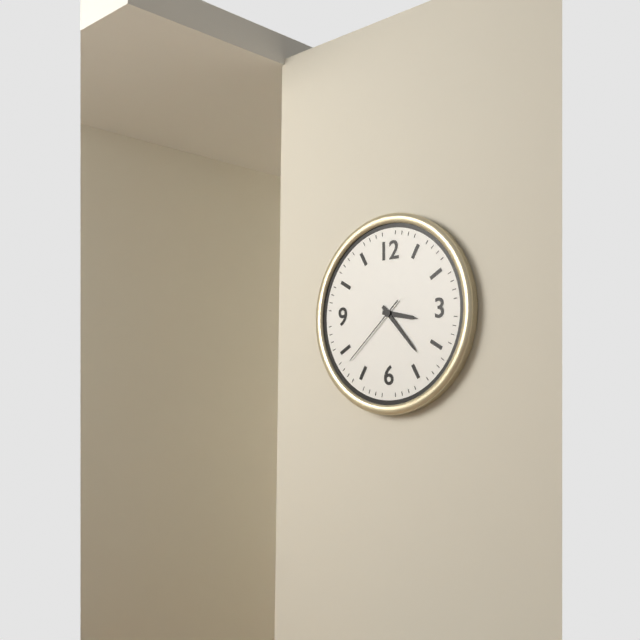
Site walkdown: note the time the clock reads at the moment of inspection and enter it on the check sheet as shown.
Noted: 3:23:38
